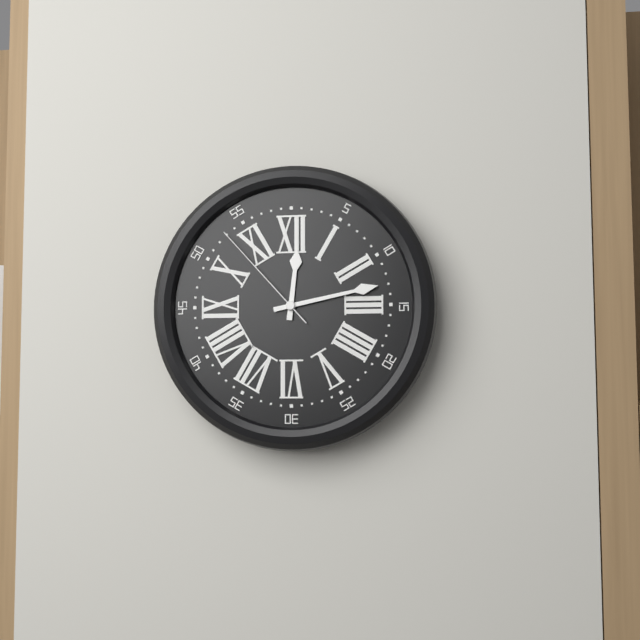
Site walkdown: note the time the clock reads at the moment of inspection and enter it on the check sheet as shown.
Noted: 12:13:53
